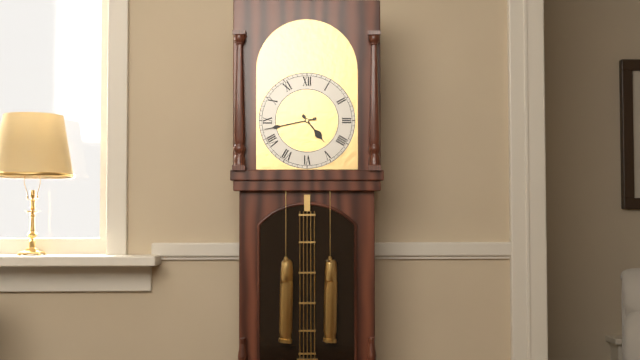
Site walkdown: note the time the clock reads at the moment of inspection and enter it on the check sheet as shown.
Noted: 4:43
